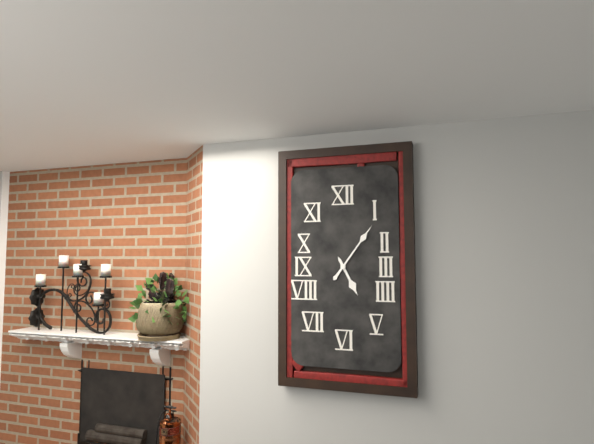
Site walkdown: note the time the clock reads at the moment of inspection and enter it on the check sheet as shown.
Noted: 5:06
